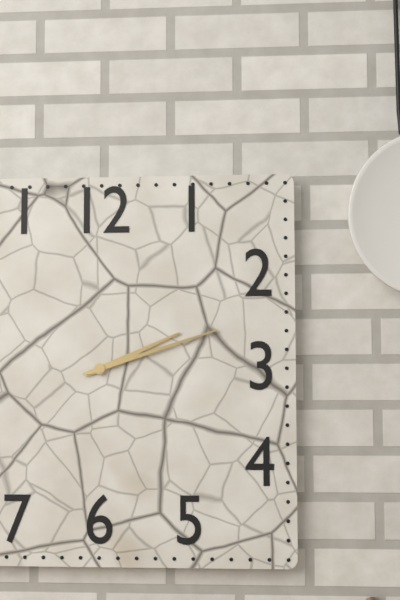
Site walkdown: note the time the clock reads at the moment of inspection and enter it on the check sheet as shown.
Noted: 2:12
